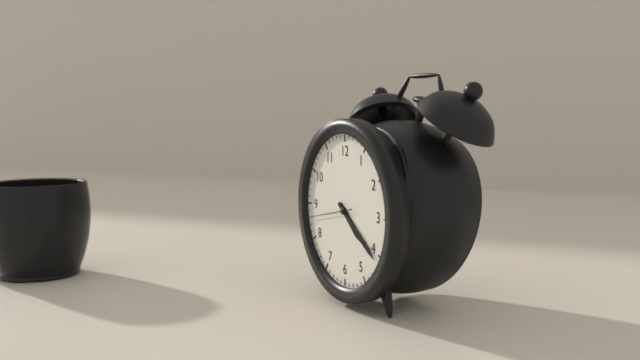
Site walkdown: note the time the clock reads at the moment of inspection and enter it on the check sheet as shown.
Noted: 4:21
